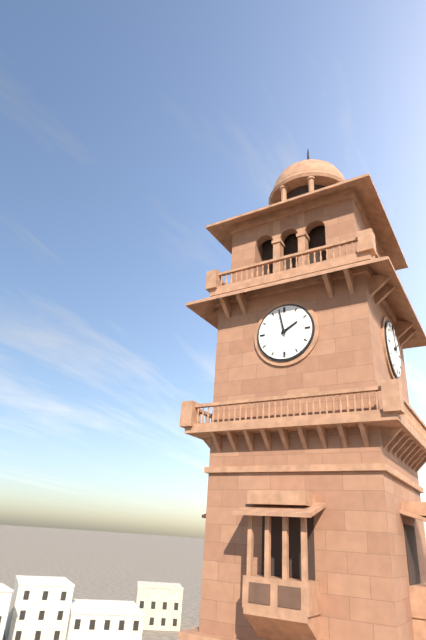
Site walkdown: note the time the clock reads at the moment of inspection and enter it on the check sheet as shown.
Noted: 1:58
